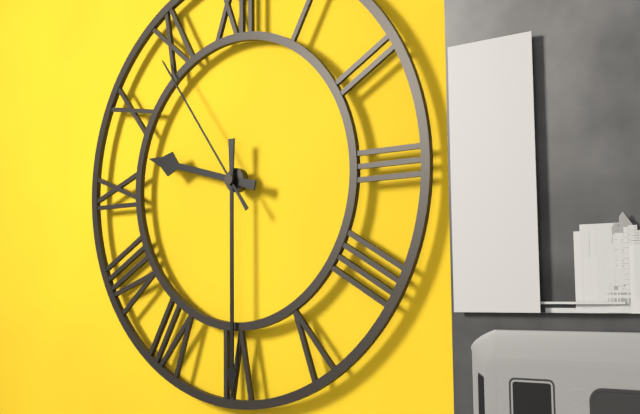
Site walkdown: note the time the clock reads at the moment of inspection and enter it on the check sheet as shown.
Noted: 9:30:54
